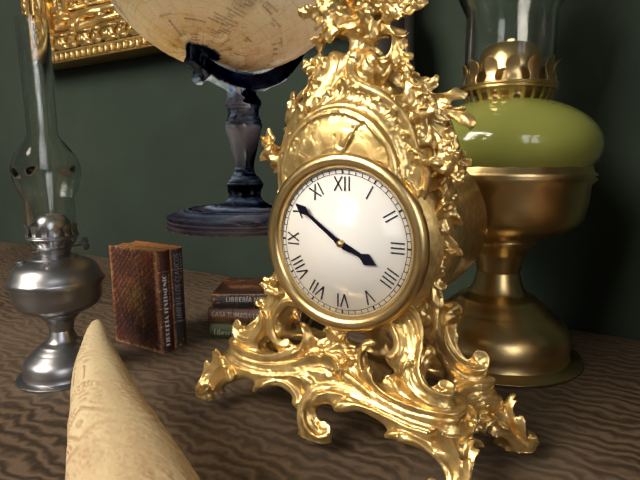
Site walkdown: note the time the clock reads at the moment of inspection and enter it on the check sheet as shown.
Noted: 3:51
